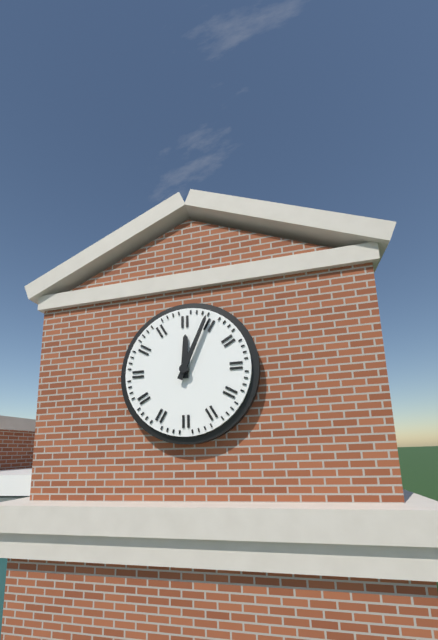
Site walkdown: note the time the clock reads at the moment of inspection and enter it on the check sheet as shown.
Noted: 12:04
